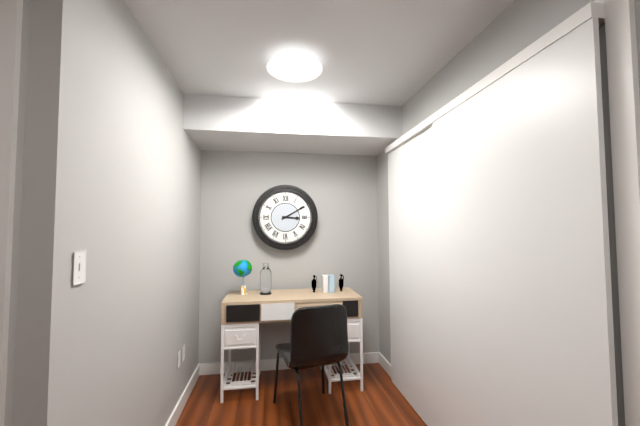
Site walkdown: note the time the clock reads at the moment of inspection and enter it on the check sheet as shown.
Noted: 3:10
